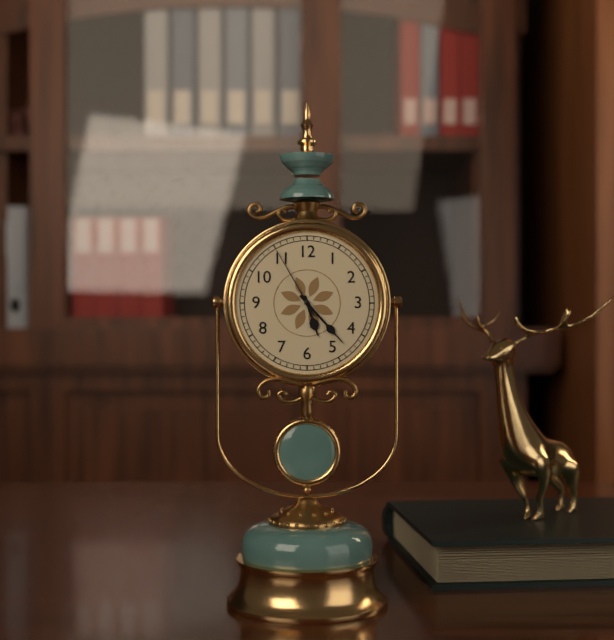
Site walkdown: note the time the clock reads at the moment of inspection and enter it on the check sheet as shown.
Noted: 5:23:55
